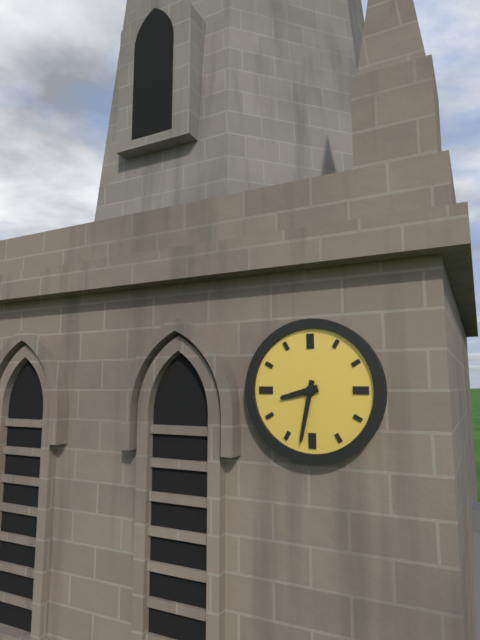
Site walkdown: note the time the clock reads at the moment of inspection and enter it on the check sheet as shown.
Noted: 8:32
